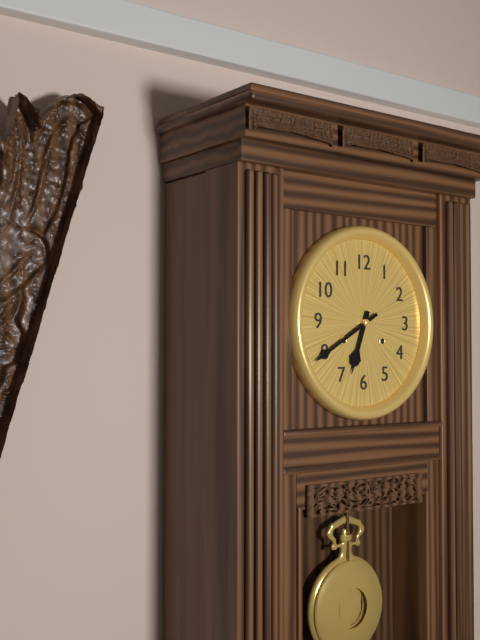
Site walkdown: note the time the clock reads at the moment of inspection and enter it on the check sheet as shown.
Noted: 6:40
